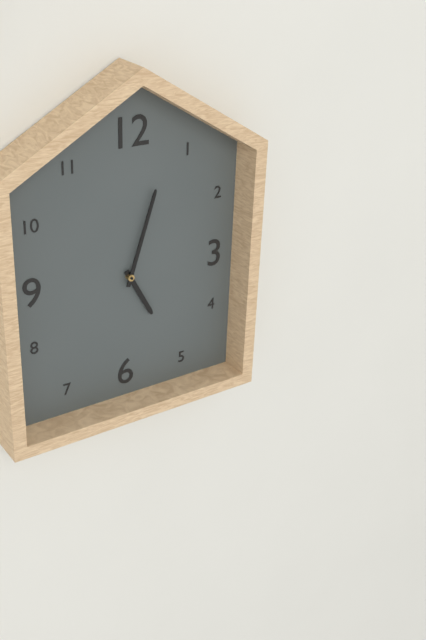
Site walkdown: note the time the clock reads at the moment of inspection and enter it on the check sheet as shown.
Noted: 5:03
